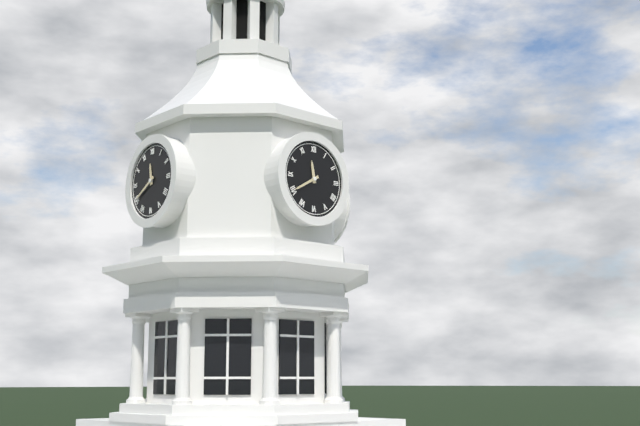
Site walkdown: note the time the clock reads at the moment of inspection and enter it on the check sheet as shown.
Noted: 11:40
